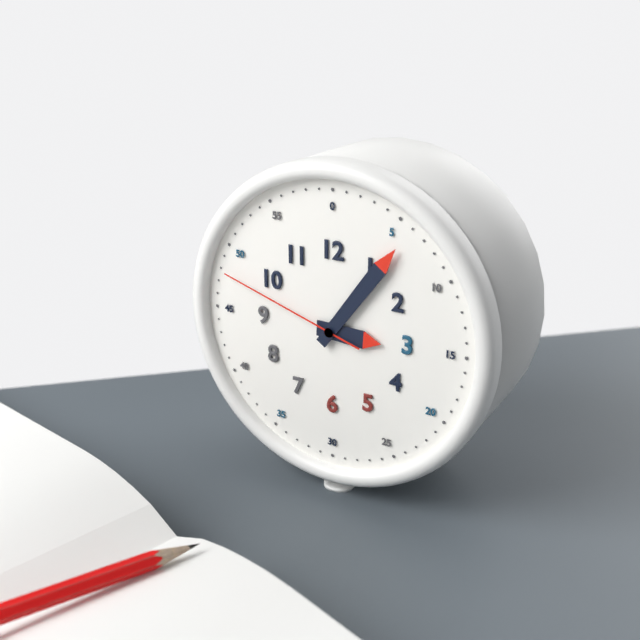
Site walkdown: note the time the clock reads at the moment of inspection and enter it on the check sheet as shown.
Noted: 3:06:48
